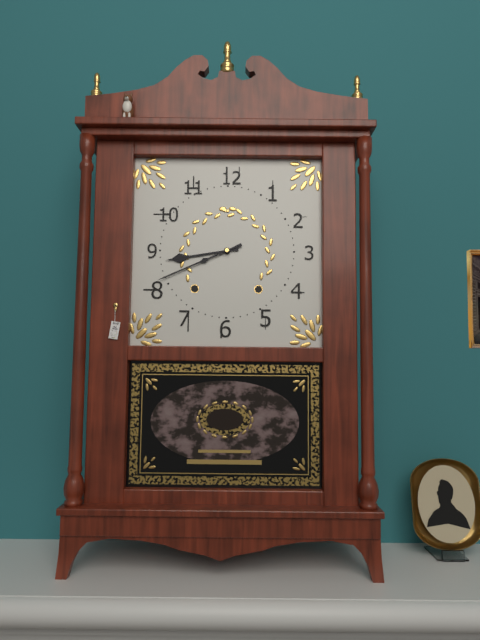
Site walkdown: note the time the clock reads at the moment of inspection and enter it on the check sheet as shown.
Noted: 8:41
